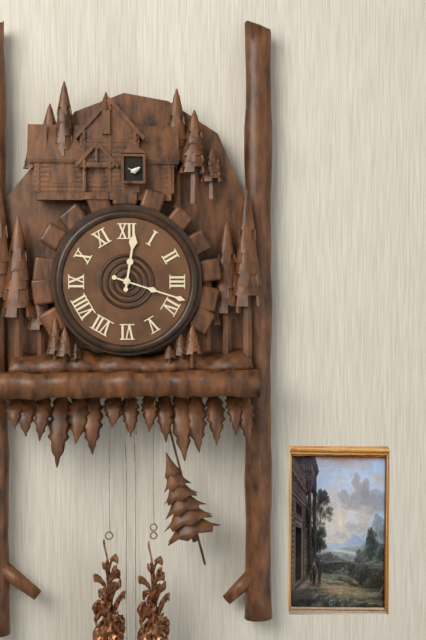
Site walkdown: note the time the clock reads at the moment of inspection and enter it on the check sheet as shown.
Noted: 12:18
